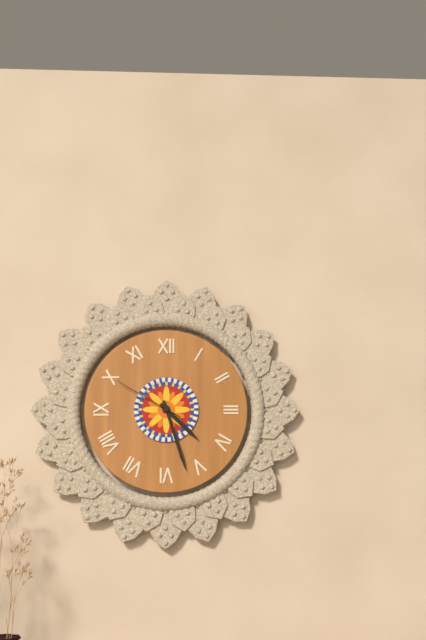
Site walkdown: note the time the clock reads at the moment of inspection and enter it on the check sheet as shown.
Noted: 4:27:50
